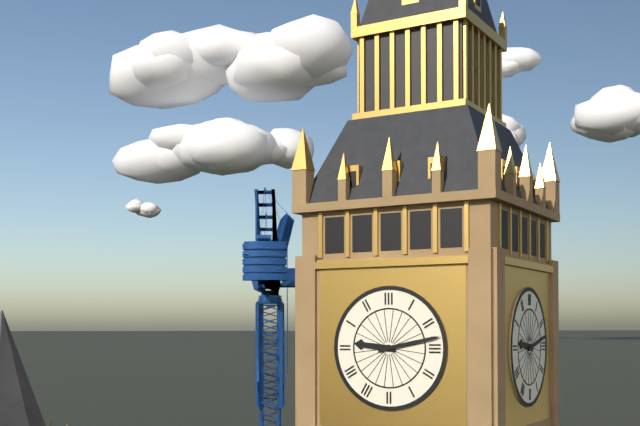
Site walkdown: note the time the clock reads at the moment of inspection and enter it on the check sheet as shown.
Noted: 9:13
